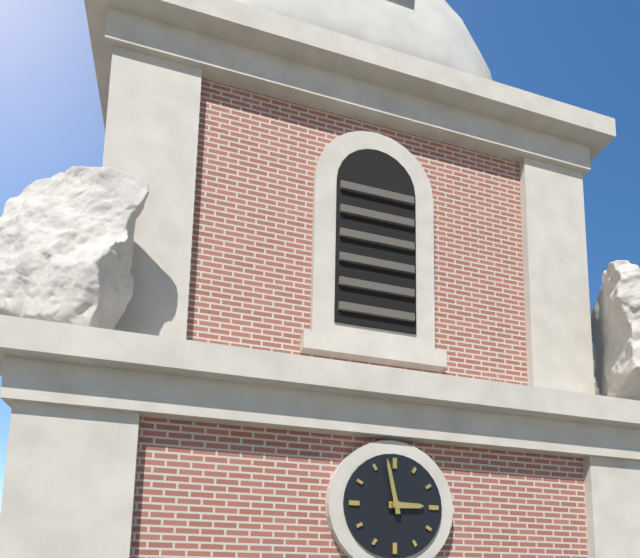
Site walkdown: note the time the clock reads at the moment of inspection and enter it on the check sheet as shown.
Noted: 2:58
